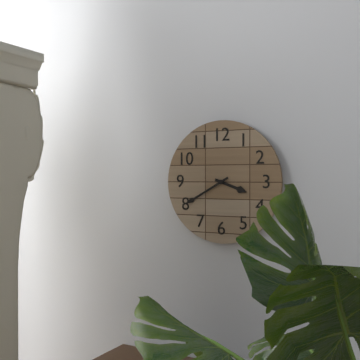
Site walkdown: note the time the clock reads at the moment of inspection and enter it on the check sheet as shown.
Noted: 3:40
